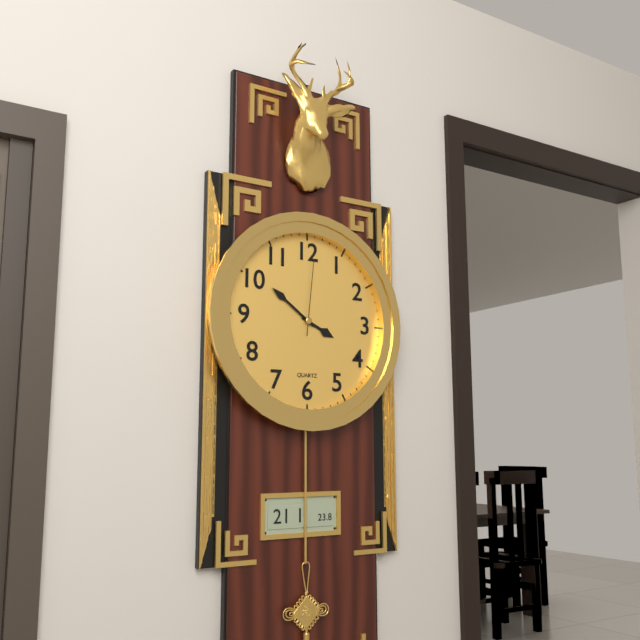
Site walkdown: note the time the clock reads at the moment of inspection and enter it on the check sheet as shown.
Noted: 3:51:01
